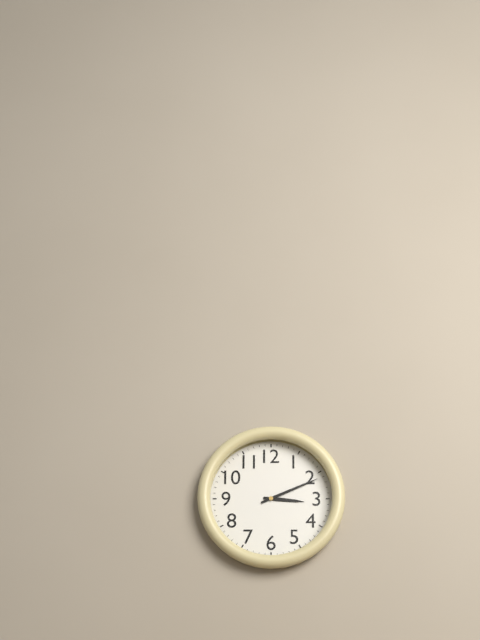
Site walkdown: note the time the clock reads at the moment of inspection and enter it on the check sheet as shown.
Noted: 3:11
